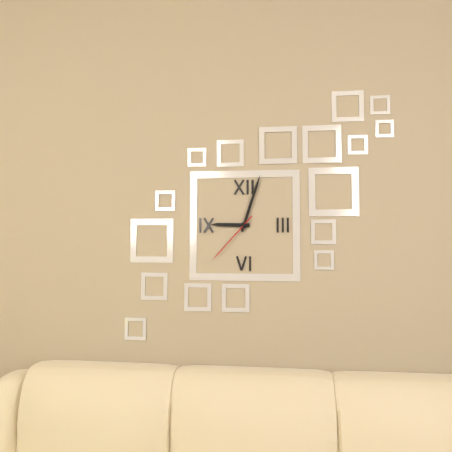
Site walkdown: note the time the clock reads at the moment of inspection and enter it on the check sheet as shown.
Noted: 9:03:37
